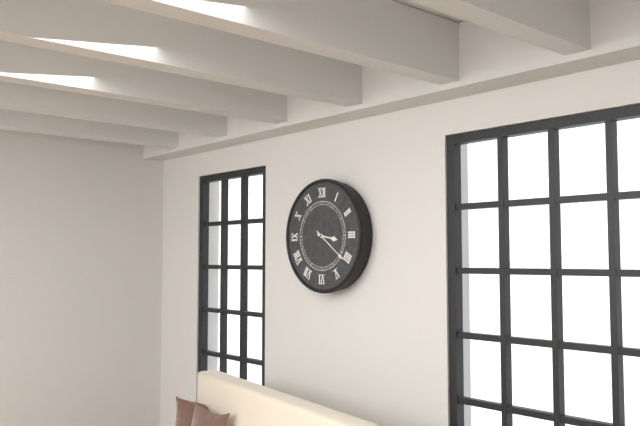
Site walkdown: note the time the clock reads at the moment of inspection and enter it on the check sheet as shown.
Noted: 3:21
